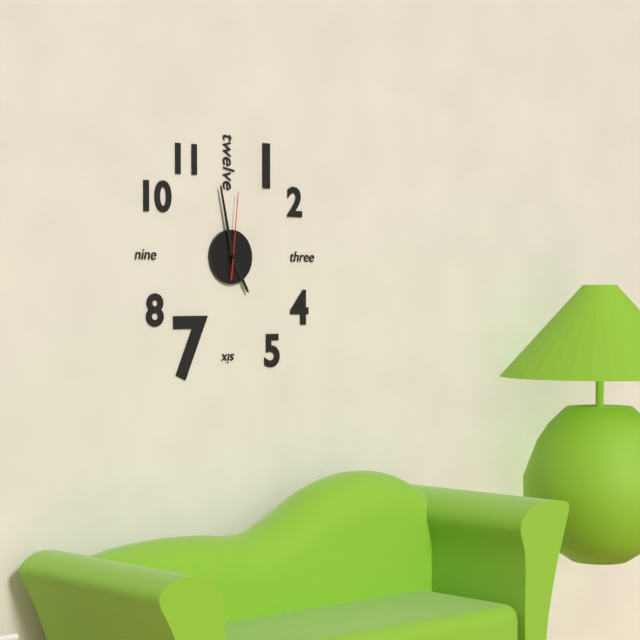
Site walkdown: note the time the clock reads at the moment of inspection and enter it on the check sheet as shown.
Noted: 4:58:01
